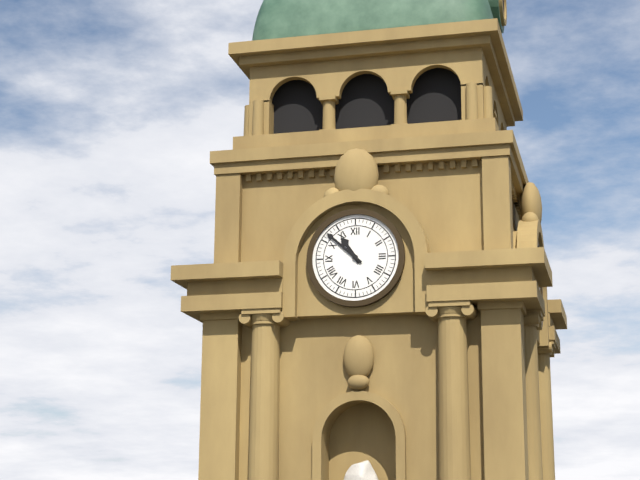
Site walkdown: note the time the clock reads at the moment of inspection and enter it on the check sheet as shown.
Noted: 10:52
